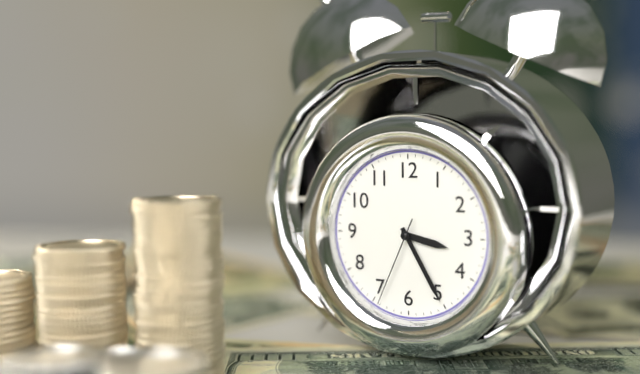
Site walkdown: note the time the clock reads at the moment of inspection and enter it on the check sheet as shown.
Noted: 3:25:34
